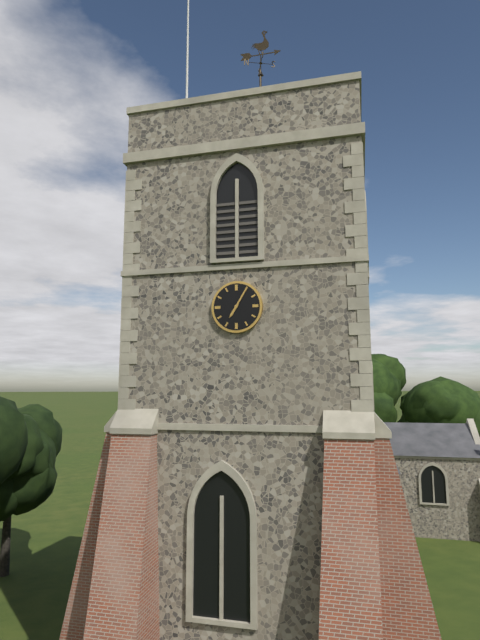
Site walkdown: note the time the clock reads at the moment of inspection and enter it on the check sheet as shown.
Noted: 7:05
